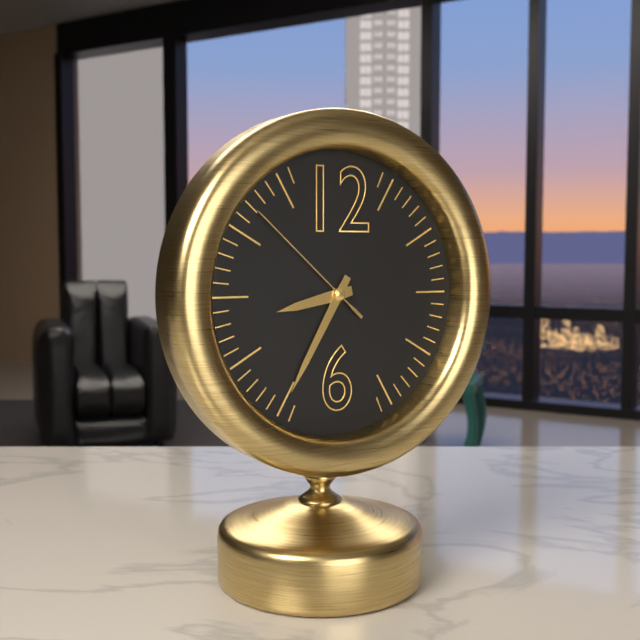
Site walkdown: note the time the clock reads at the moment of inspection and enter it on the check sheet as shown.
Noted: 8:35:52
